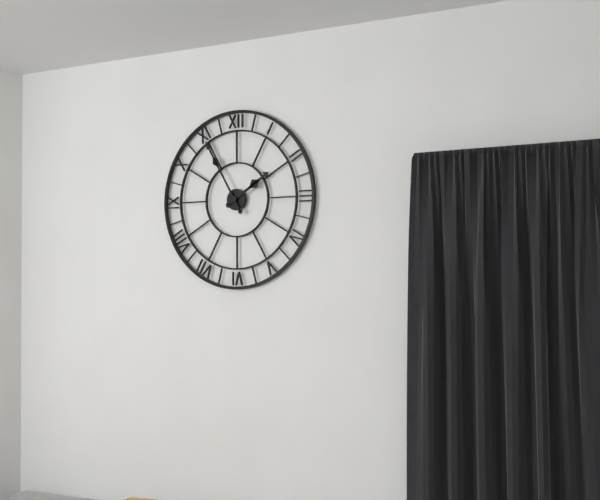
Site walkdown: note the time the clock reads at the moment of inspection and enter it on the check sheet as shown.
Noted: 1:55
